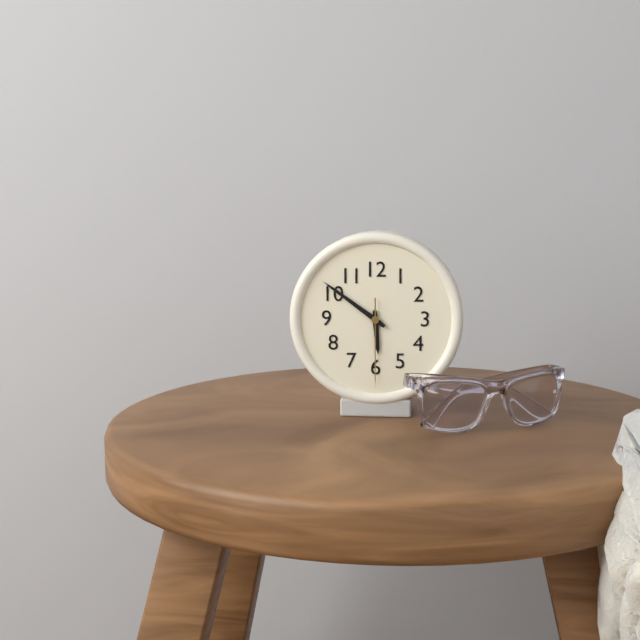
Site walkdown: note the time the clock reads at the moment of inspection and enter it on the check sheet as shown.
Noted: 5:51:30
